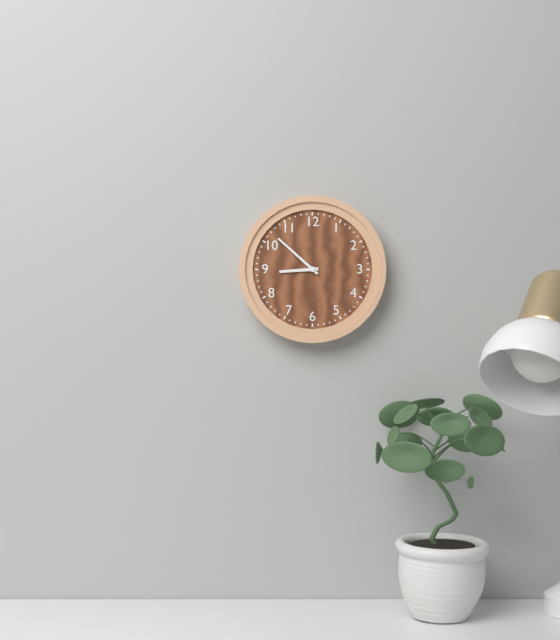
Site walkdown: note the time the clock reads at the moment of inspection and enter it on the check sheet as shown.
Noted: 8:52
